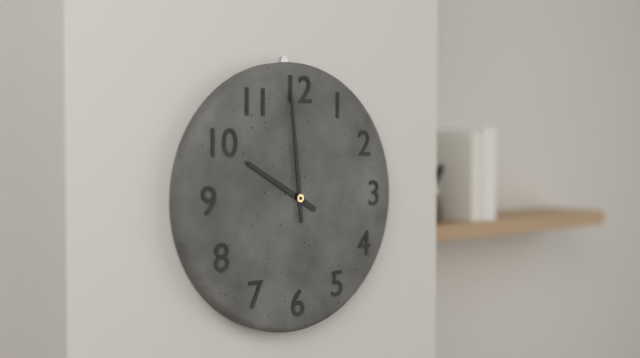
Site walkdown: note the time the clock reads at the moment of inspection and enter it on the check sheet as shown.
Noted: 9:59
